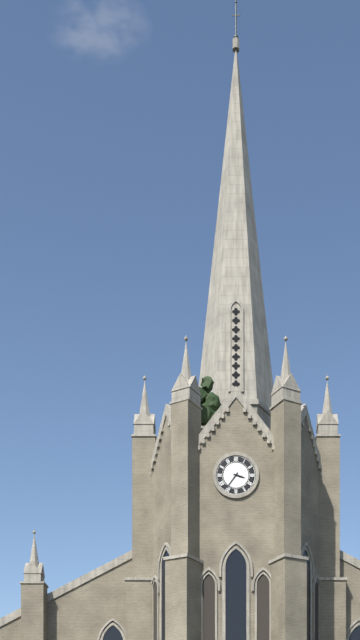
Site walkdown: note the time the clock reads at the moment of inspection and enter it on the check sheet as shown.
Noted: 3:36
